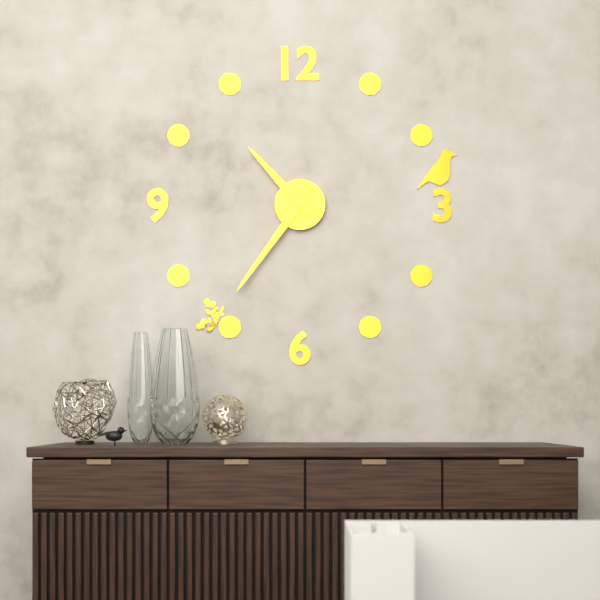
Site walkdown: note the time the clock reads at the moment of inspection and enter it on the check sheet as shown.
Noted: 10:36
